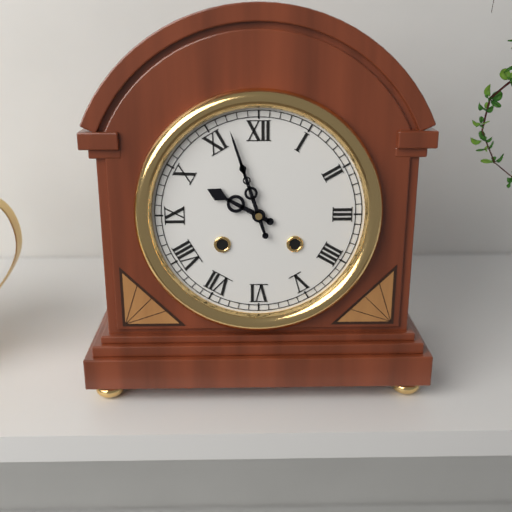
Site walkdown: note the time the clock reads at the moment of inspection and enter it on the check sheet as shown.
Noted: 9:57
